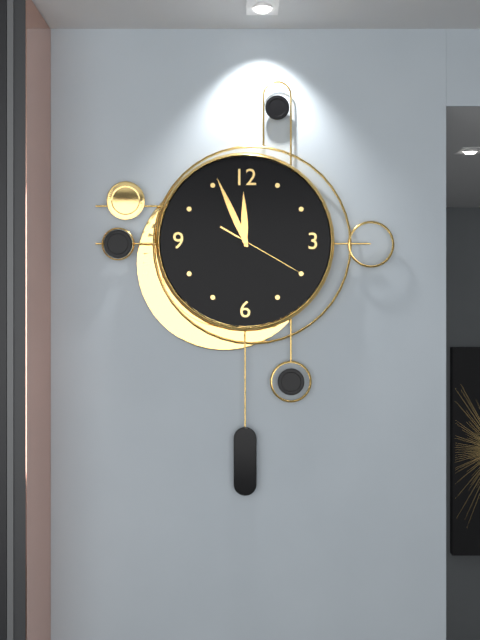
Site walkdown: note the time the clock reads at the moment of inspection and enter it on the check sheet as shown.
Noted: 11:56:20
